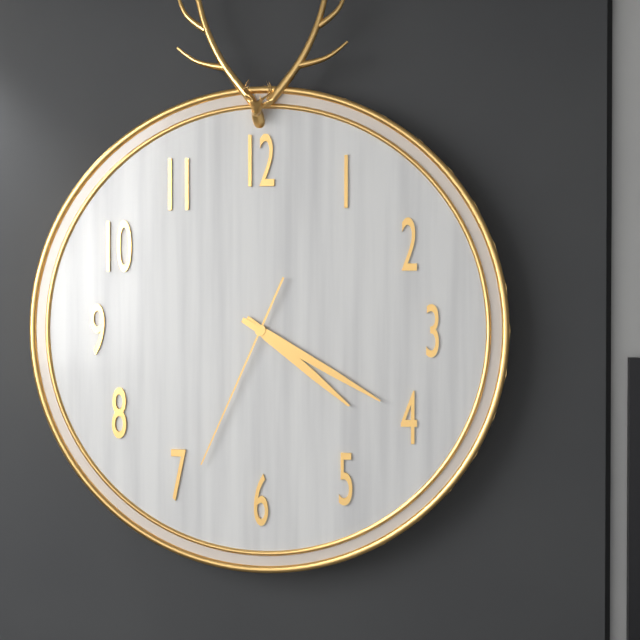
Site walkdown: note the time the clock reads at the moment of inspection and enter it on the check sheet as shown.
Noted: 4:20:34
